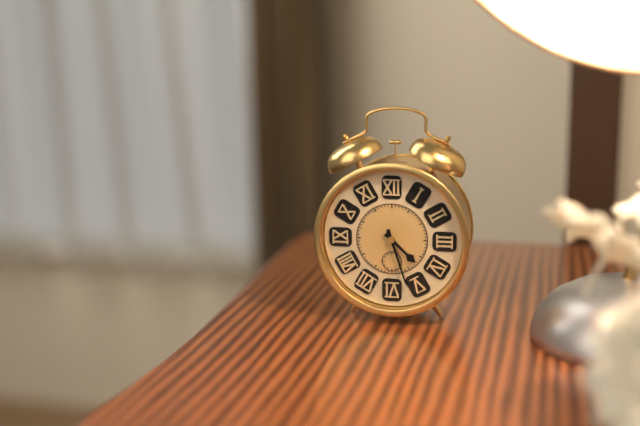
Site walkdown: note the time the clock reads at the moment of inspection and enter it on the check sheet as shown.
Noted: 4:27
